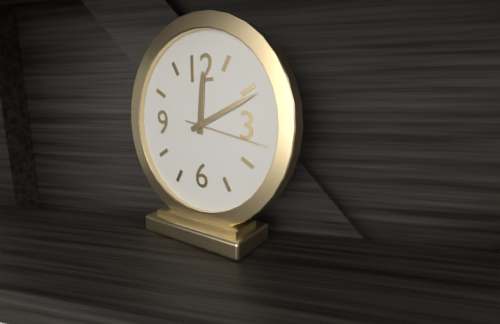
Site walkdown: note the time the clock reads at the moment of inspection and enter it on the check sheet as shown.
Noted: 12:11:17
